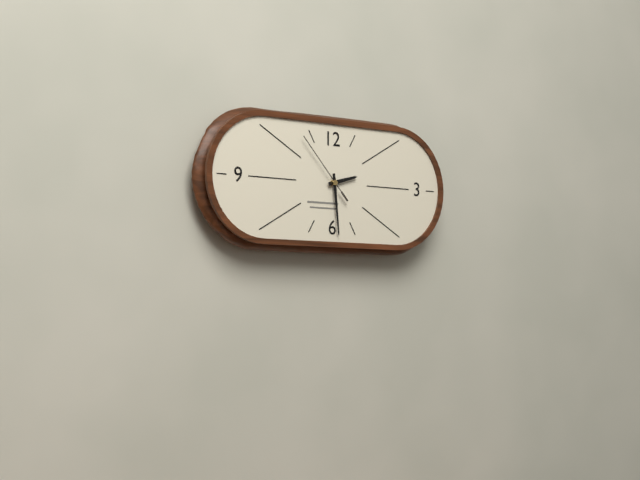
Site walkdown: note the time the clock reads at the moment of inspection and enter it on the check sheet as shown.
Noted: 2:29:53
